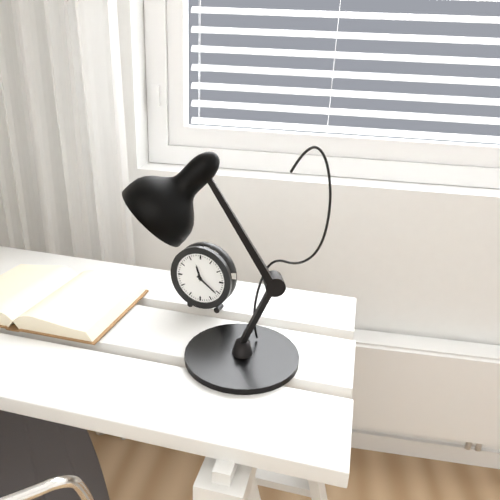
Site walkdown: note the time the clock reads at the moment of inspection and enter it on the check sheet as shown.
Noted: 11:21
